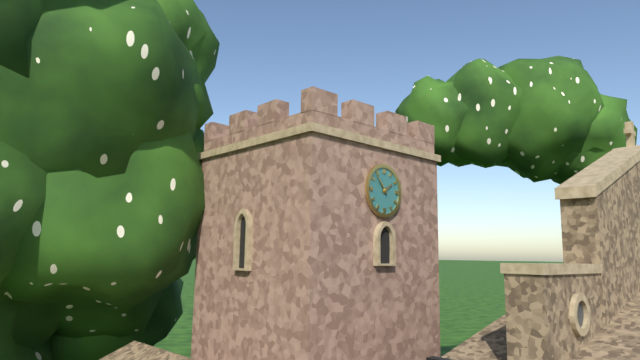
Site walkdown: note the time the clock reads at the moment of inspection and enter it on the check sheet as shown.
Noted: 1:53
